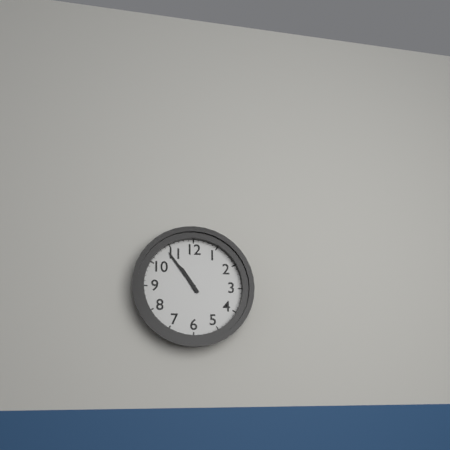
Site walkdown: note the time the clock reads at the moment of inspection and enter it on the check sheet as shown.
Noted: 10:54
